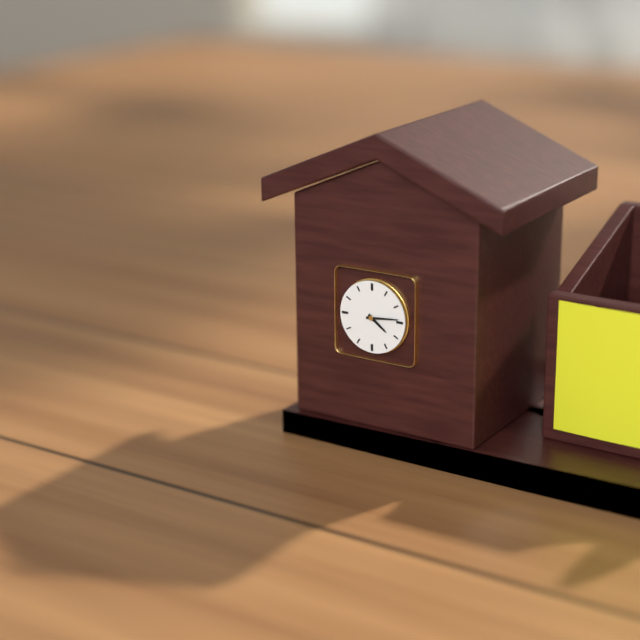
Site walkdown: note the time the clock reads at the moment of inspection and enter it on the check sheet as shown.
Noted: 4:14
